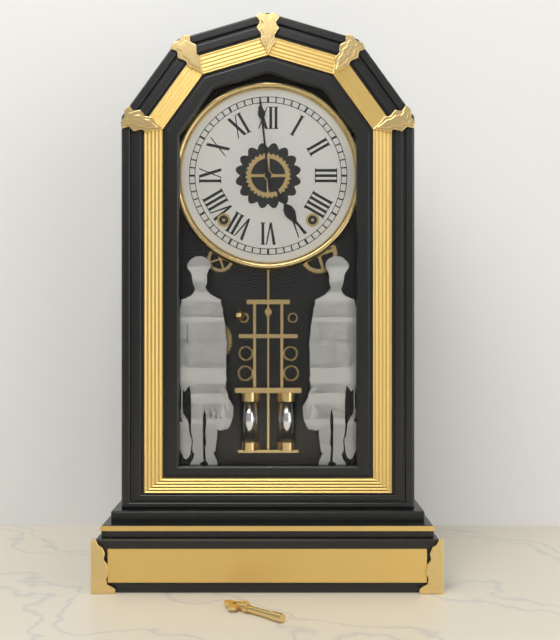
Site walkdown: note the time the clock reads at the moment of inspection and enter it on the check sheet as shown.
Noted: 4:59
